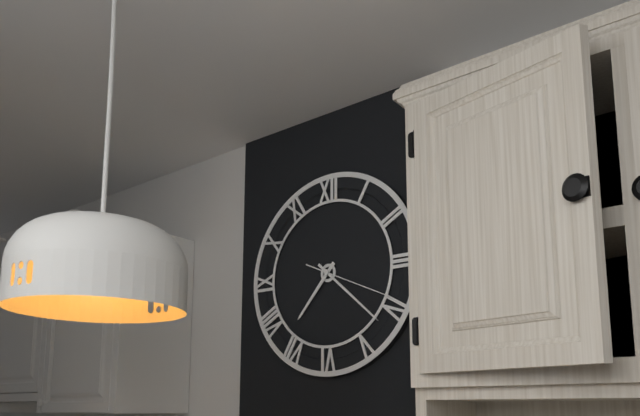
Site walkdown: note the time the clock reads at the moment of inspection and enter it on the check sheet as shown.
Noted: 7:22:19
